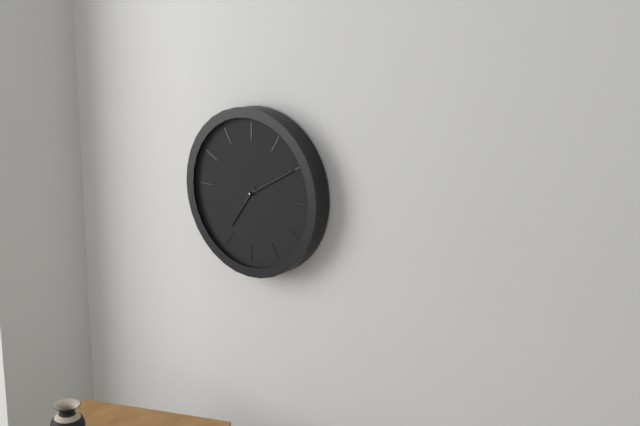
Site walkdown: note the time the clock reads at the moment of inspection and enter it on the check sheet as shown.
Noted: 7:10
